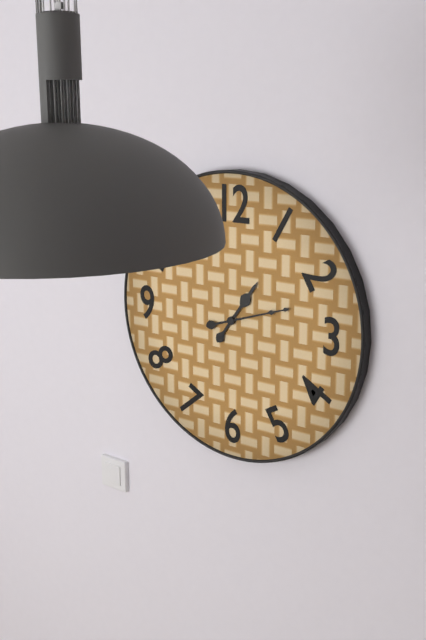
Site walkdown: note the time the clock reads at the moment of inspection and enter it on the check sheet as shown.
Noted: 1:12
